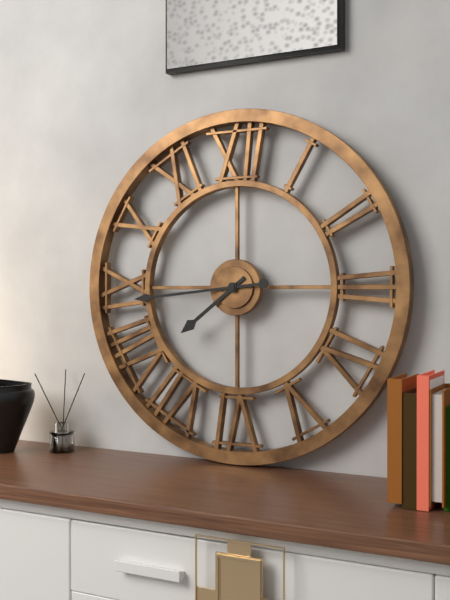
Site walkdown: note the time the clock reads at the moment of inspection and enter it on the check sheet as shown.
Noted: 7:44
